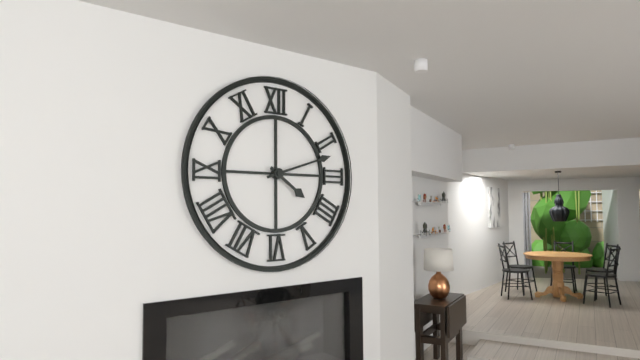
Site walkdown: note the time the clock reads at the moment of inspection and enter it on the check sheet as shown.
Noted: 4:12
